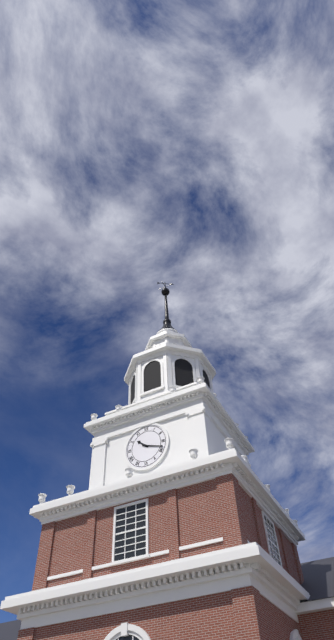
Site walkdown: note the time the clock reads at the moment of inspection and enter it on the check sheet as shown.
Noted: 10:18
